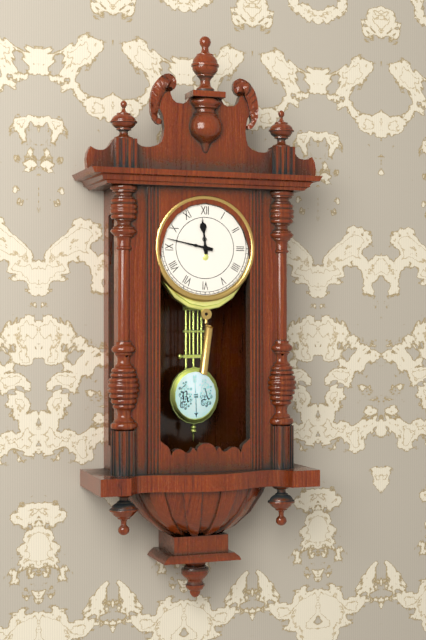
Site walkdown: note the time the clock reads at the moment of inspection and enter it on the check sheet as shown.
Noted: 11:47
